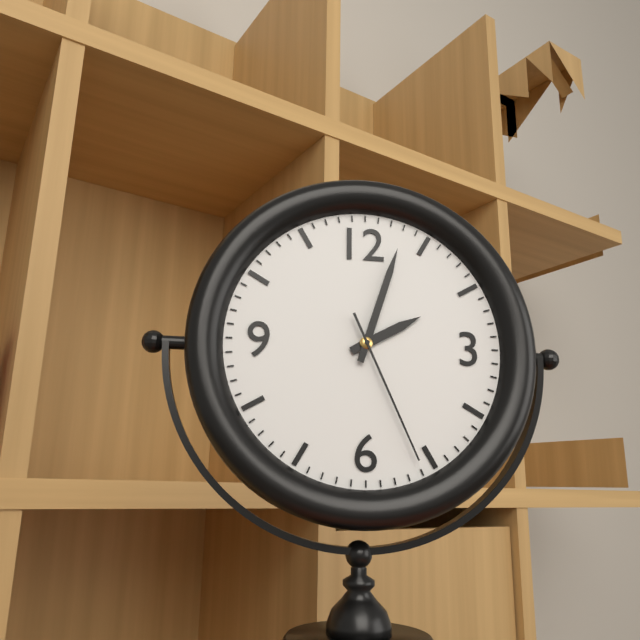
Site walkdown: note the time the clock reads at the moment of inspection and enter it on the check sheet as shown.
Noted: 2:03:26
